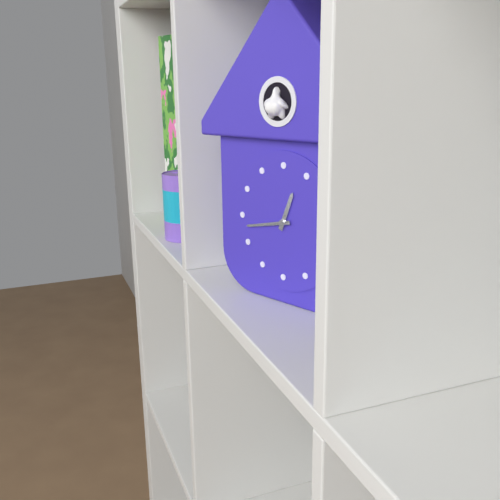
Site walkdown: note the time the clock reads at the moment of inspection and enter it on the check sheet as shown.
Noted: 12:43
